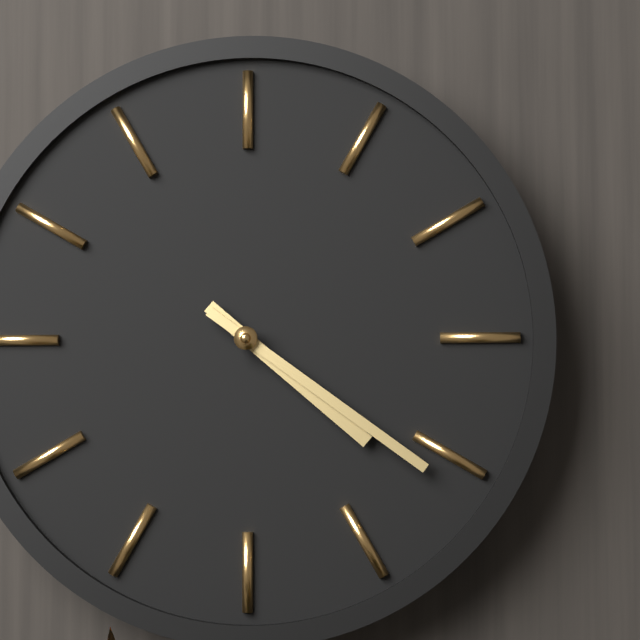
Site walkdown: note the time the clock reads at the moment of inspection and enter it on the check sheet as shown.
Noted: 4:21
